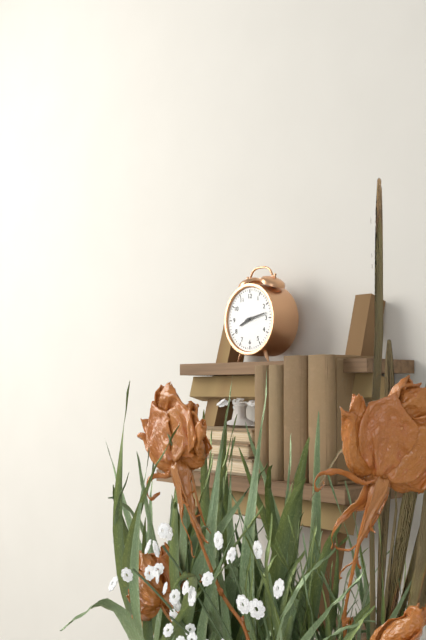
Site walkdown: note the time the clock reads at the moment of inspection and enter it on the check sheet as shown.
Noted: 8:13
